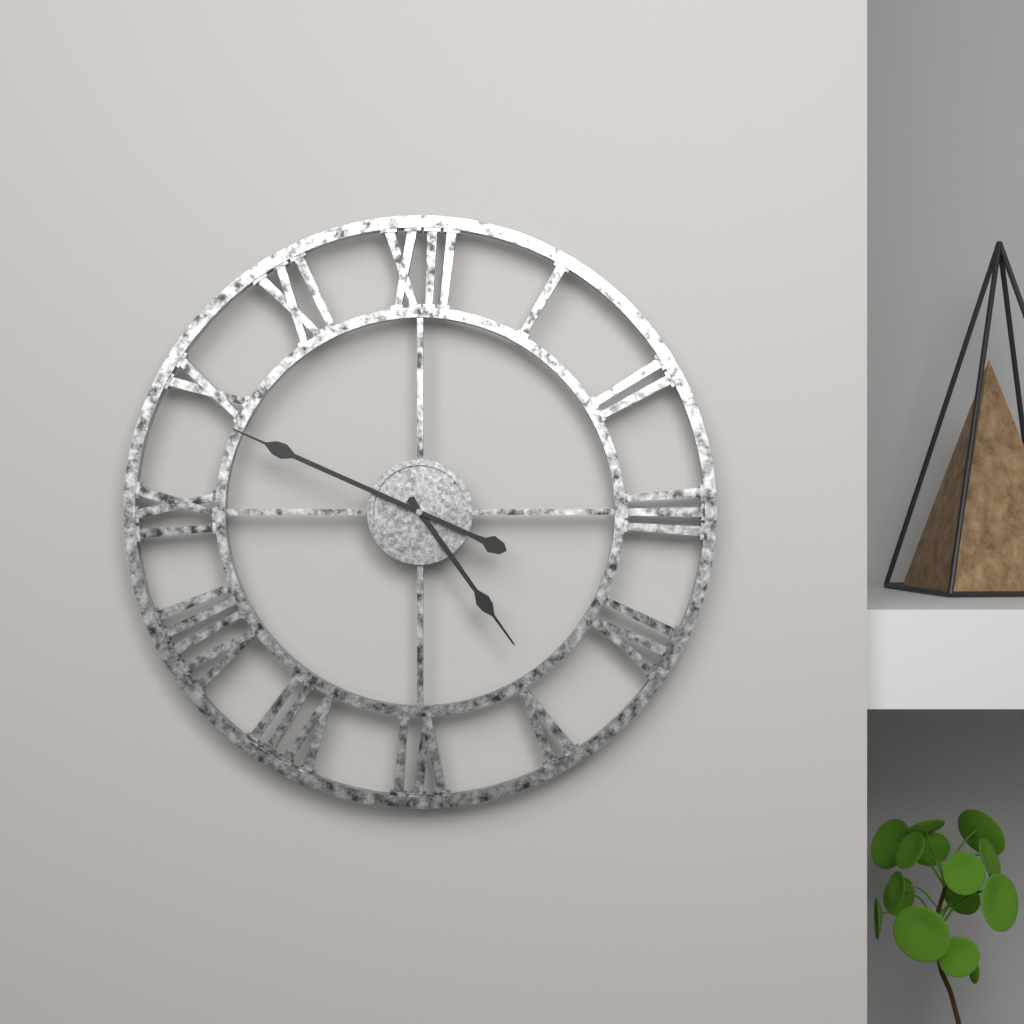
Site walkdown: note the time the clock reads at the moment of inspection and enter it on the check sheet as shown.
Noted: 4:49
